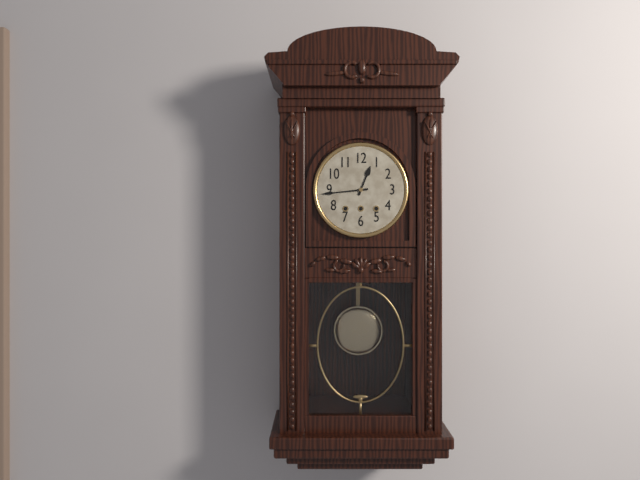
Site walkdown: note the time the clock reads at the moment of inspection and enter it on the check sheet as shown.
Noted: 12:44
